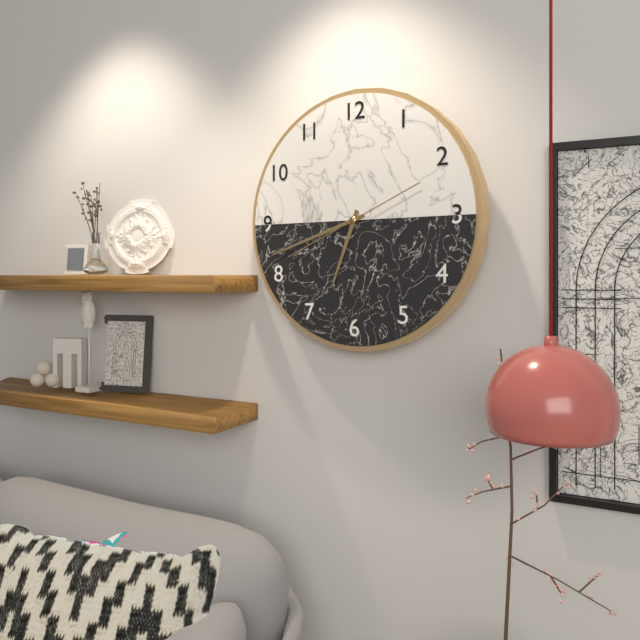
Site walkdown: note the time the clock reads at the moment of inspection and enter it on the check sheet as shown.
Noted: 6:42:41
